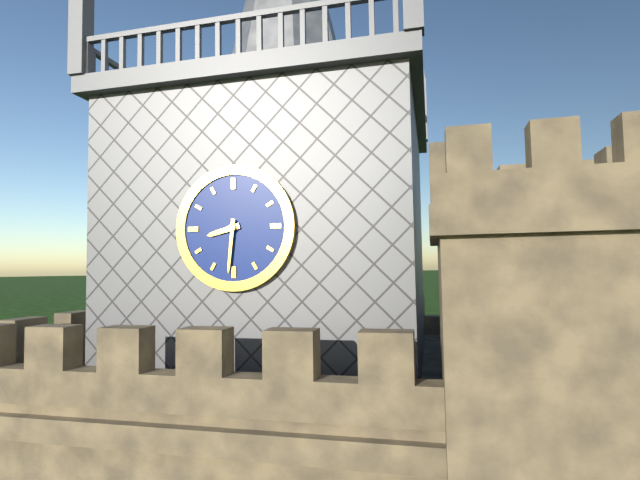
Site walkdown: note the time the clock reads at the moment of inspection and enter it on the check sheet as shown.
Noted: 8:31
